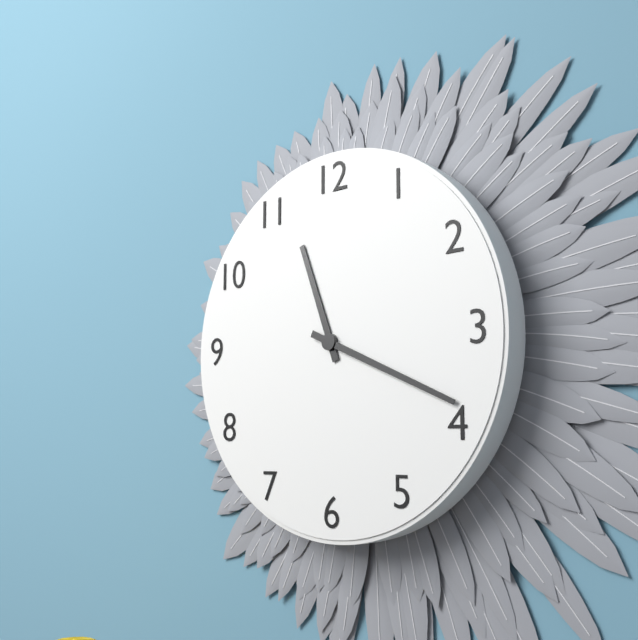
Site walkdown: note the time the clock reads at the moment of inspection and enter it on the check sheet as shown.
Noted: 11:19
